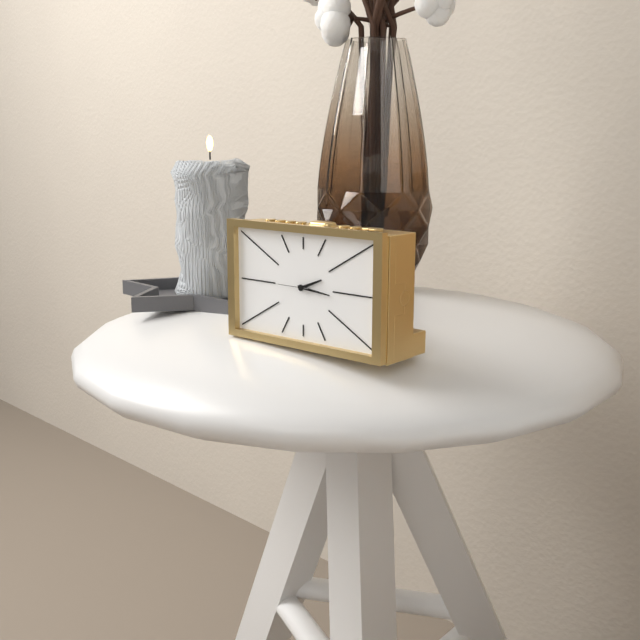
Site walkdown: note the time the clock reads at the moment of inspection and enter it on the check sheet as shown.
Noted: 2:16
